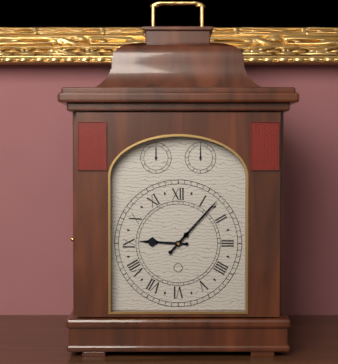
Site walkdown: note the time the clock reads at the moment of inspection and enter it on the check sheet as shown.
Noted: 9:07
